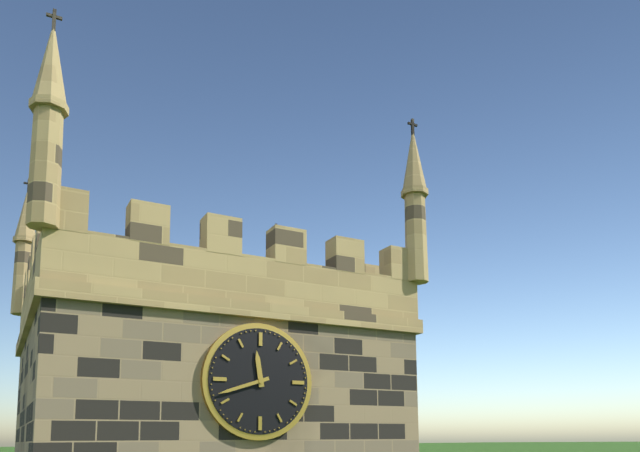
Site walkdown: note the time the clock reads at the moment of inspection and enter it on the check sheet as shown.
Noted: 11:42
